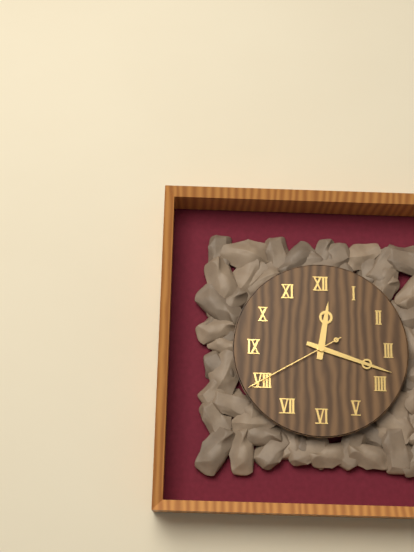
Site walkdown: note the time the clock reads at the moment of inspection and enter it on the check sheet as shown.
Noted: 12:18:40
